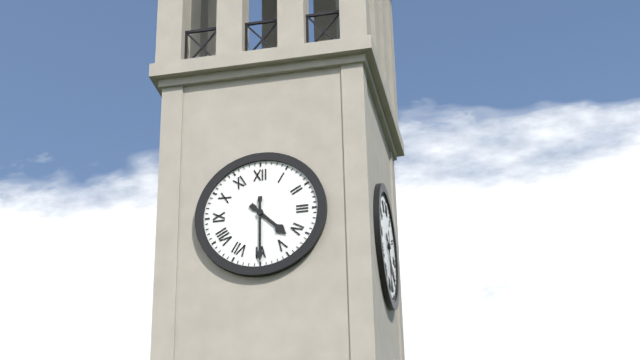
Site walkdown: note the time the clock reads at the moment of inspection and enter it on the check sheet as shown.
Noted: 4:30
